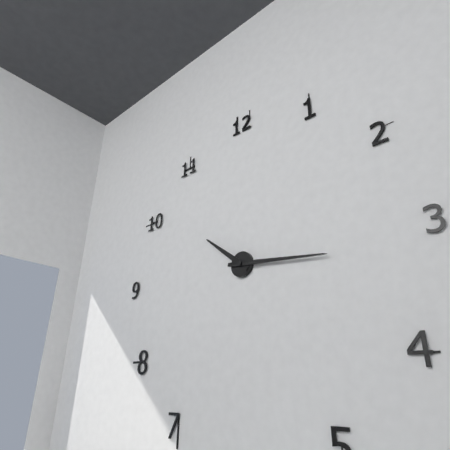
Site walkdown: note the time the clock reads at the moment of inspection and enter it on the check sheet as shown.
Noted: 10:16
